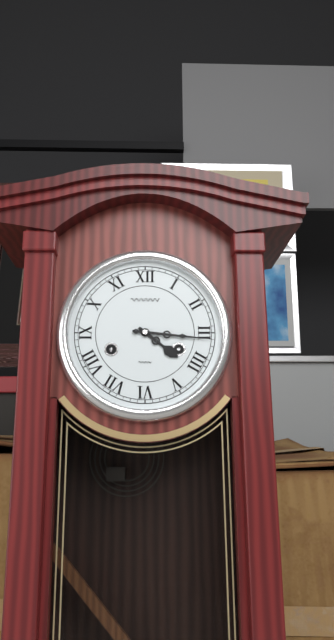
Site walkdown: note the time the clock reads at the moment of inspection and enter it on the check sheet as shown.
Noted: 4:16
